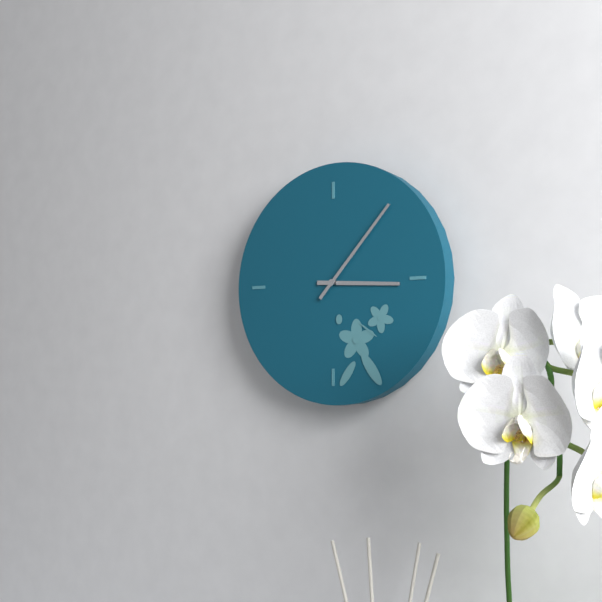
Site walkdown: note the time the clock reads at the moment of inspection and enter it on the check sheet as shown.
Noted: 3:07
